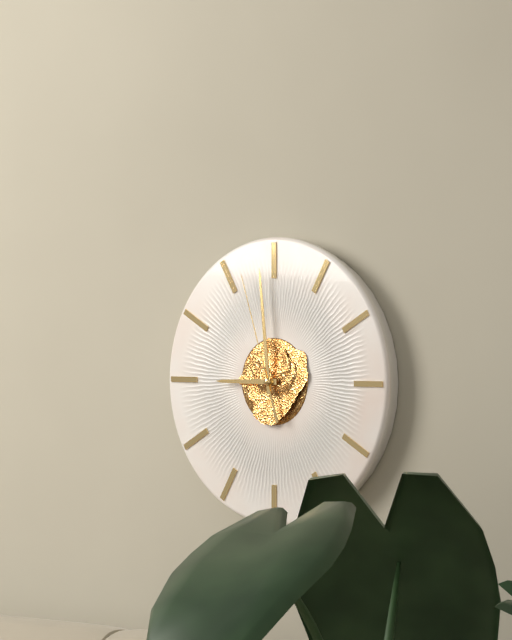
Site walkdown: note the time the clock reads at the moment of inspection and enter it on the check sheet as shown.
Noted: 8:59:57
